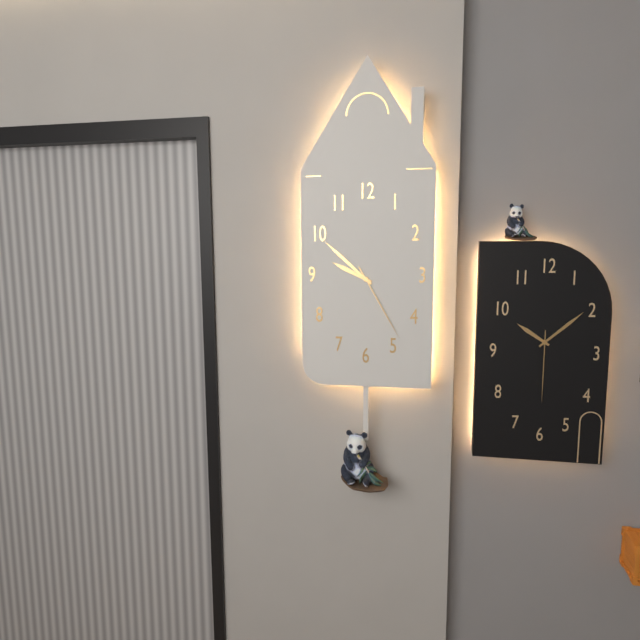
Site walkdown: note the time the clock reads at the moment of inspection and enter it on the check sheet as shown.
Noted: 9:52:25
